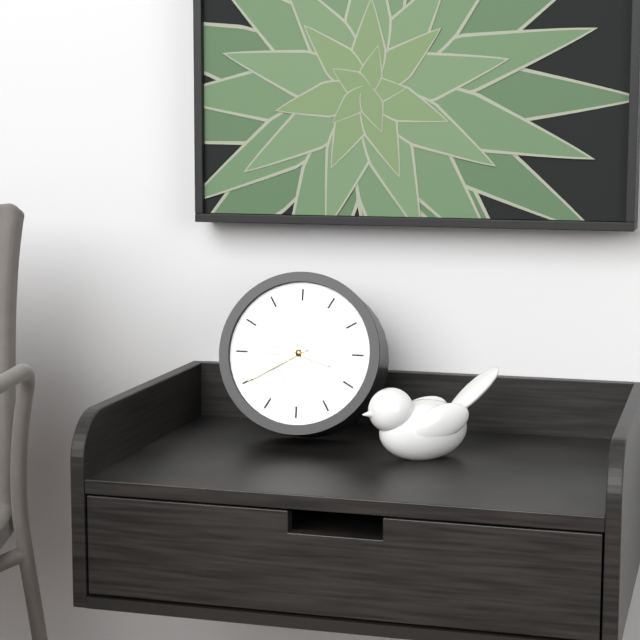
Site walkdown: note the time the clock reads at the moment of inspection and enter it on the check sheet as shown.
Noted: 3:40
